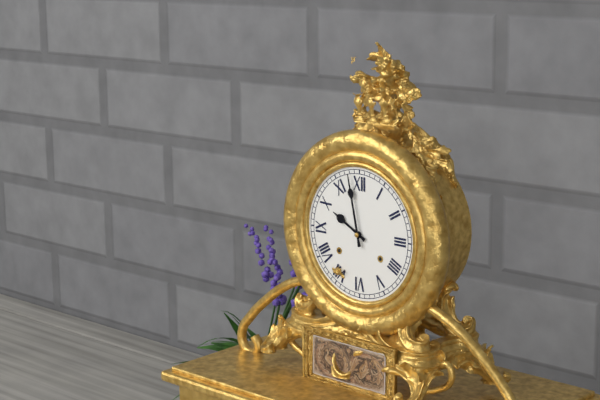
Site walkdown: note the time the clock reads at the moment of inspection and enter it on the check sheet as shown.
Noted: 9:58
